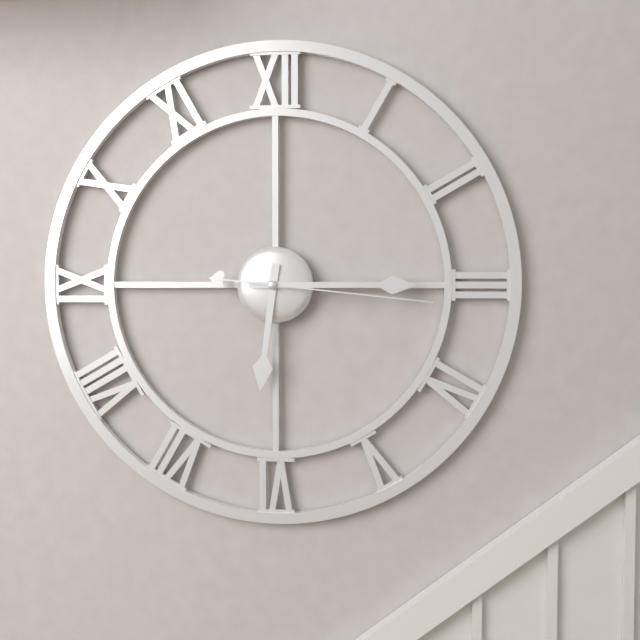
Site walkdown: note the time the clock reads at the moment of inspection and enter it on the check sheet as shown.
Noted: 6:15:16
